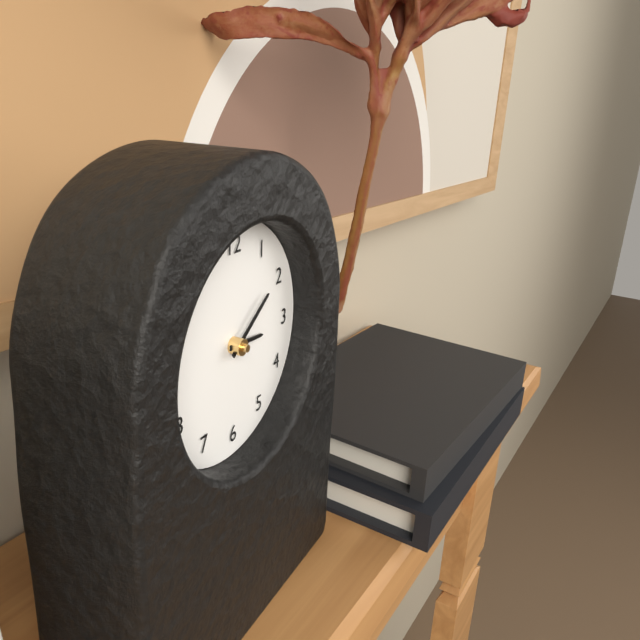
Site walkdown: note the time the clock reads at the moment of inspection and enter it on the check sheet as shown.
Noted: 3:09
